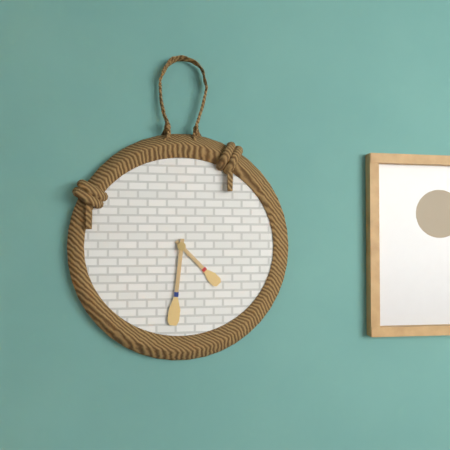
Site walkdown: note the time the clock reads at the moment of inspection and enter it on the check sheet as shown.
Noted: 4:31
